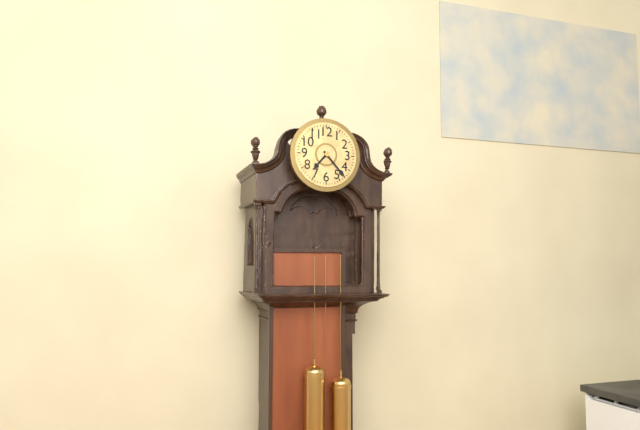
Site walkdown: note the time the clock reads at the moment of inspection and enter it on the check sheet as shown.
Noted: 7:23
